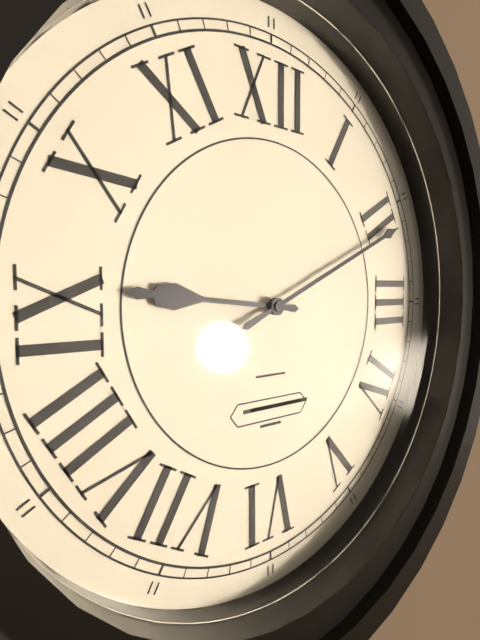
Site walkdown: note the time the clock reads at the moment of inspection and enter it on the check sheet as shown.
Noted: 9:11
